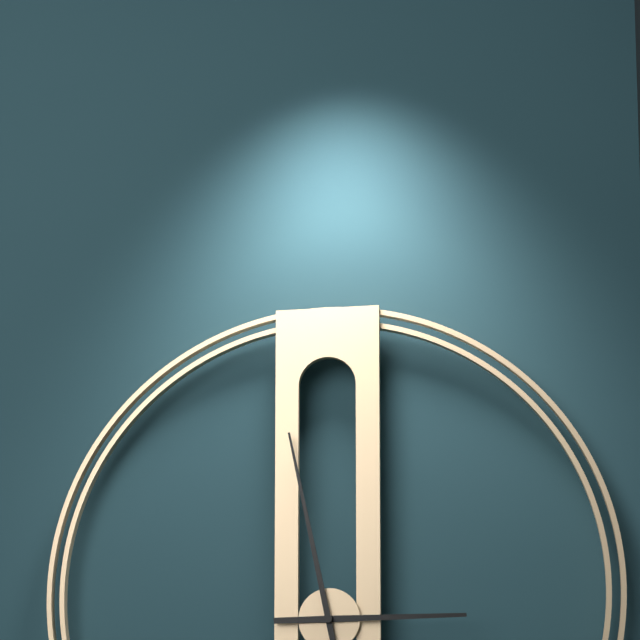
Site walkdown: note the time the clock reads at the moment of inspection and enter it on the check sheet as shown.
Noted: 2:58
